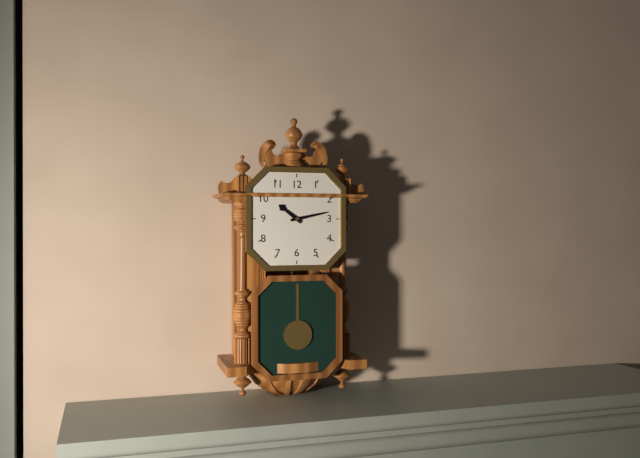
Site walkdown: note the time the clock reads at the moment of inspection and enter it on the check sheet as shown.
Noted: 10:13
